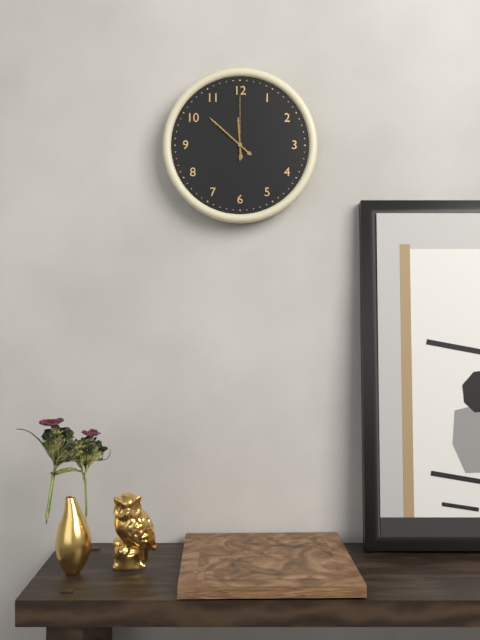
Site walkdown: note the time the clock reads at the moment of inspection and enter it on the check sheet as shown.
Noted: 11:52:00
